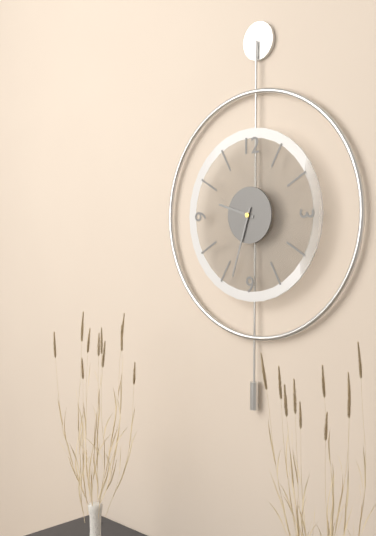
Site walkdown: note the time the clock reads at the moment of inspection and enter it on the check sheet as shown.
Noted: 9:33
